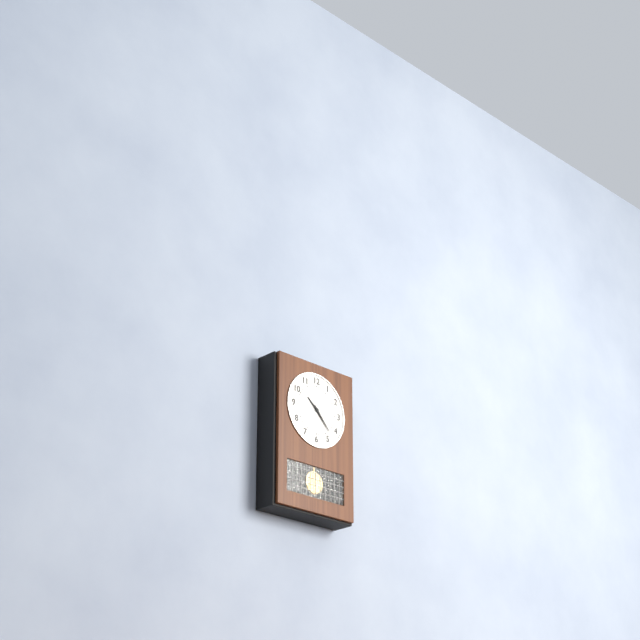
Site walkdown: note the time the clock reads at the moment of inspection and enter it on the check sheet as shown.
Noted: 10:23
